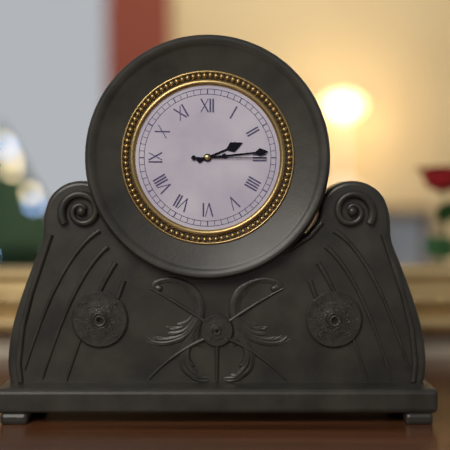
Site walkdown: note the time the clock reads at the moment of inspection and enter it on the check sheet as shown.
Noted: 2:14:15
